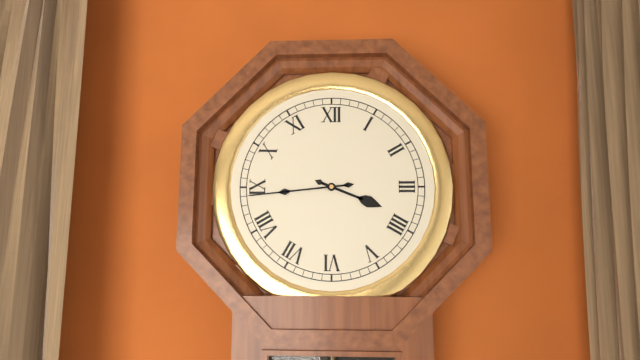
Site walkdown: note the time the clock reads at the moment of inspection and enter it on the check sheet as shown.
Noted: 3:44
